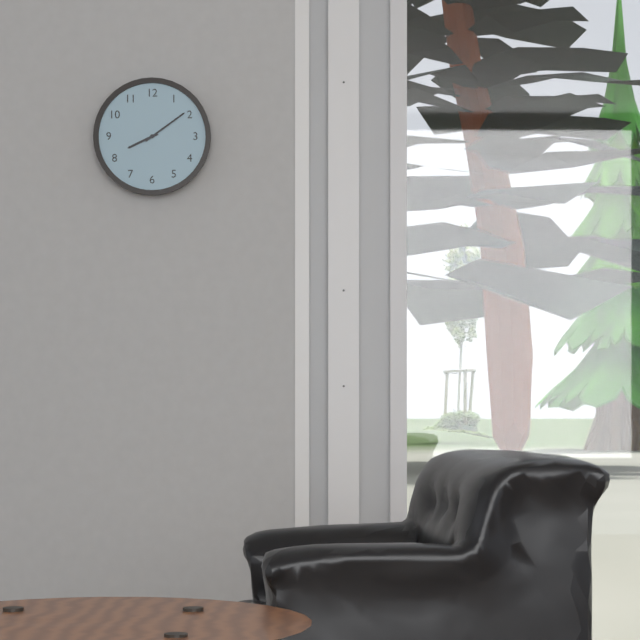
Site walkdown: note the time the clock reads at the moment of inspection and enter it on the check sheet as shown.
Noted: 8:09
